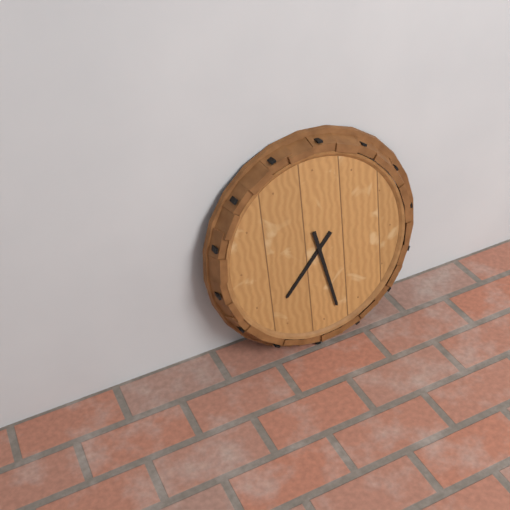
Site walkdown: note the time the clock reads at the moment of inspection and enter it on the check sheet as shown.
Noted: 7:28
